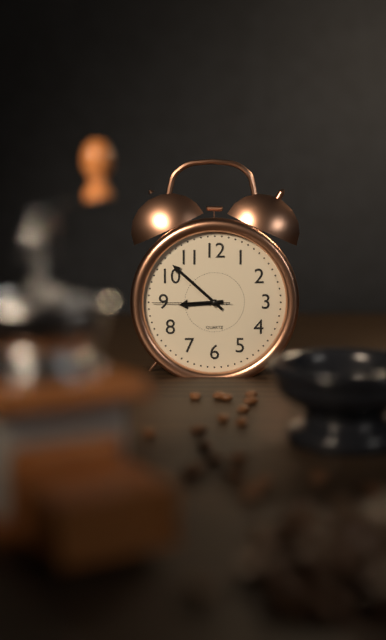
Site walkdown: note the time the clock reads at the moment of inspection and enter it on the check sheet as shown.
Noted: 8:52:45
